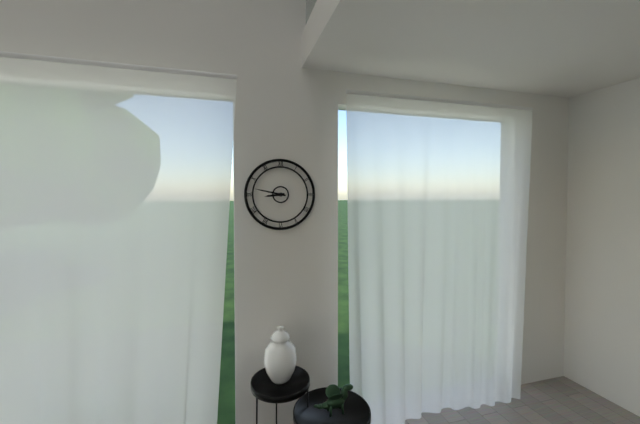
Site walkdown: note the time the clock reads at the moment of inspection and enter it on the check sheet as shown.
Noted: 8:47
